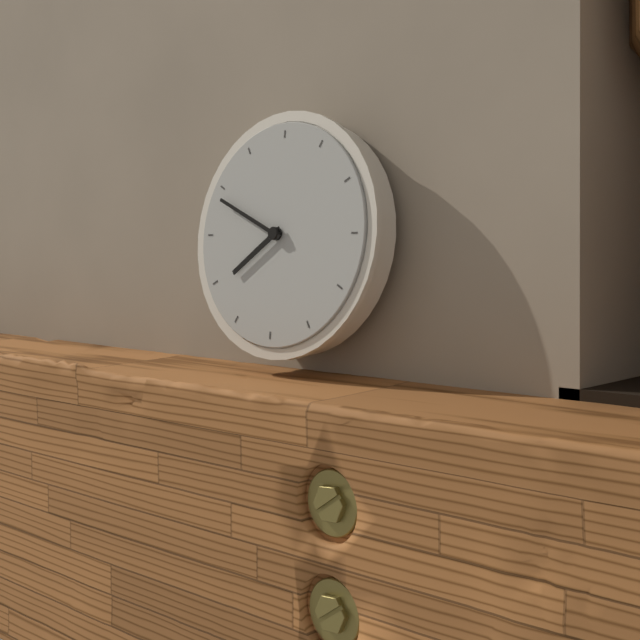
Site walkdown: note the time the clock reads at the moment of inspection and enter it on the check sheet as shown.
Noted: 7:49
